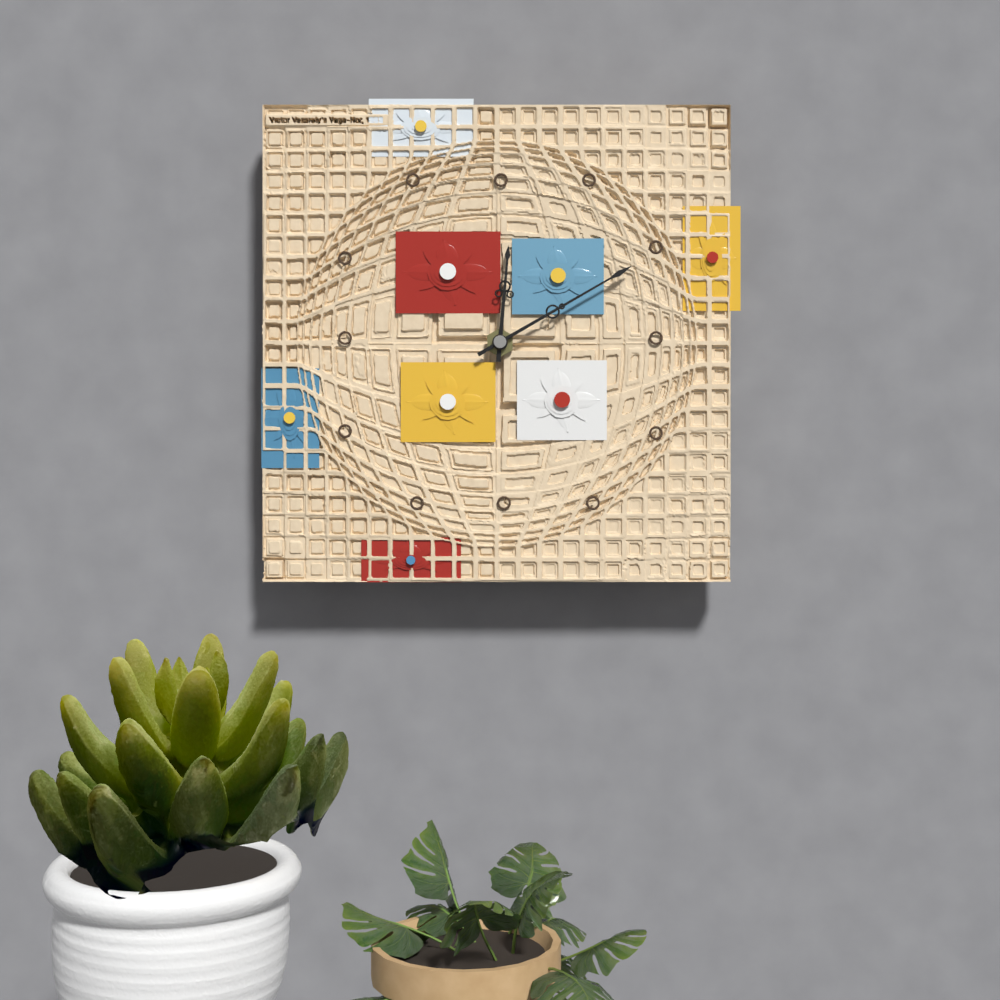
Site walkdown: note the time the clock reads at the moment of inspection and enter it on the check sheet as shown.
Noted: 12:10
